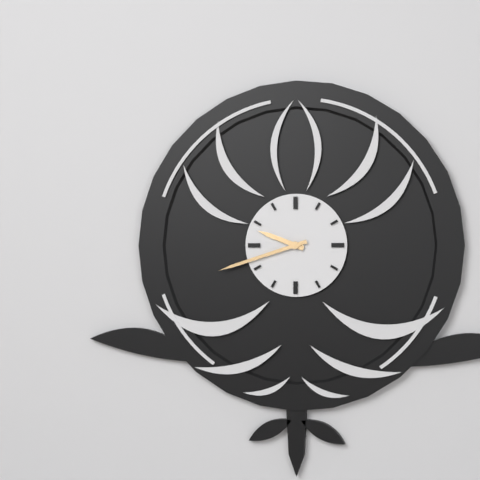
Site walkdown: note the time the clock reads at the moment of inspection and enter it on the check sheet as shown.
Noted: 9:42
